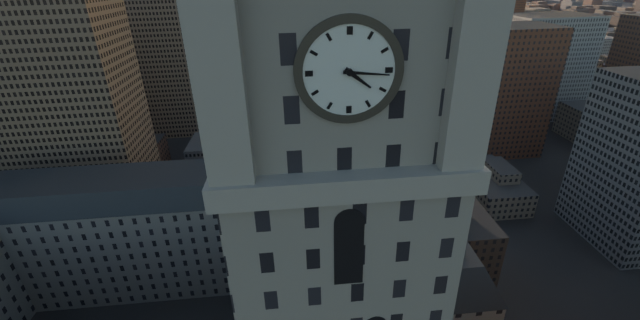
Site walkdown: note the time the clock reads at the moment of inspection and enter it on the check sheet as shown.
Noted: 4:16
